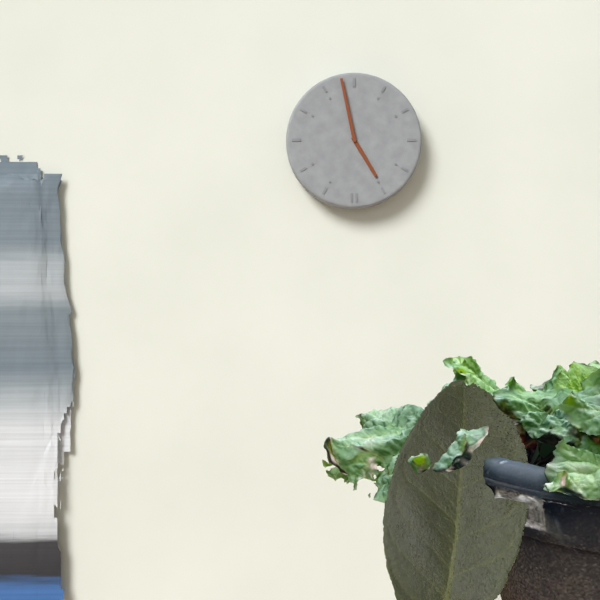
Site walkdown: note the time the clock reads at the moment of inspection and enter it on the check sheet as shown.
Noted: 4:58
